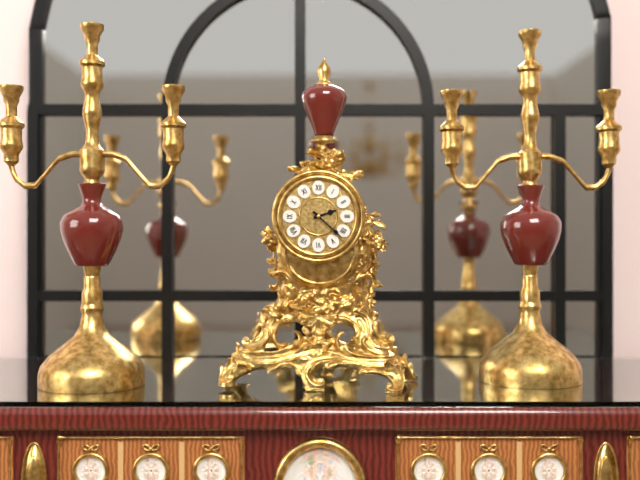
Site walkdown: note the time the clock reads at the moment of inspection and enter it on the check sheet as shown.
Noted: 2:22
